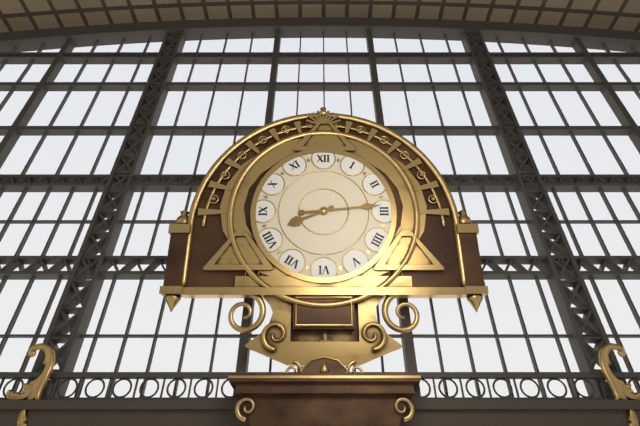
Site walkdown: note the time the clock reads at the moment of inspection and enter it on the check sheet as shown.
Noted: 8:14
